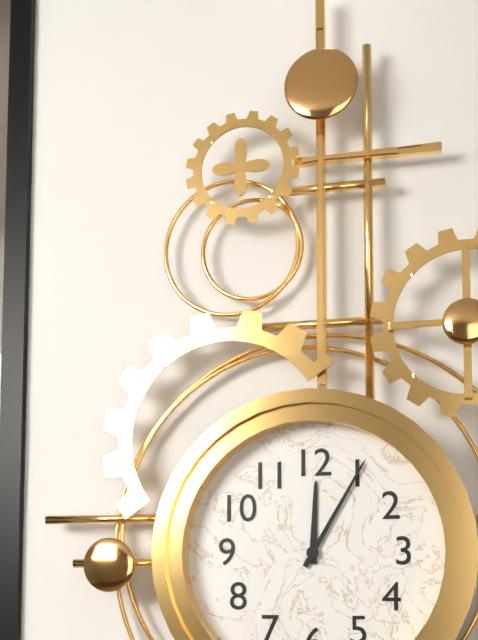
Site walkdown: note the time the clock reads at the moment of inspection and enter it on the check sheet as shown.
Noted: 12:05
